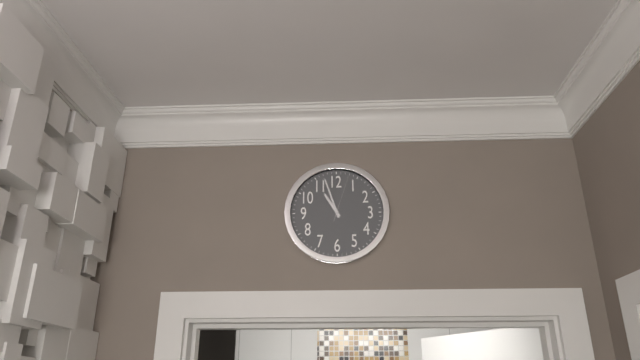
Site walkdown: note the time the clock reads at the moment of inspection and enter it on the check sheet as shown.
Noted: 10:57:03
